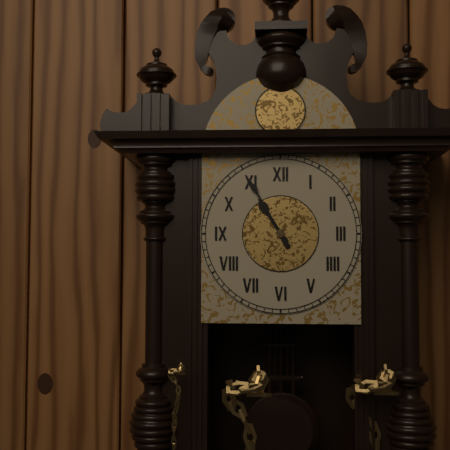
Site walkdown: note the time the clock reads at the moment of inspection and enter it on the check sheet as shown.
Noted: 10:55
